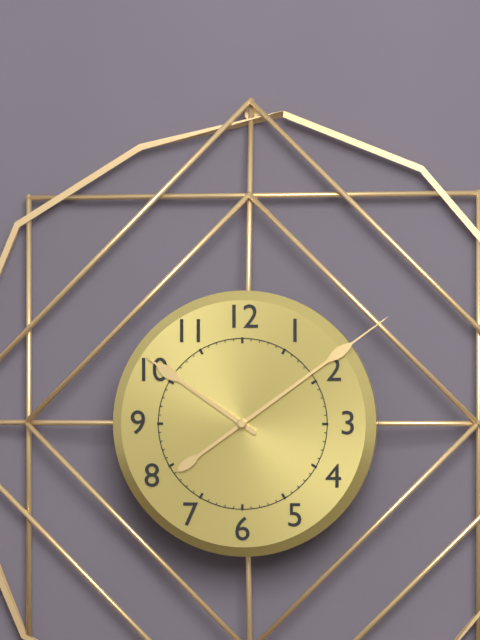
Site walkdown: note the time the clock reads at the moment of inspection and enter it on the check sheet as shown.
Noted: 10:09
